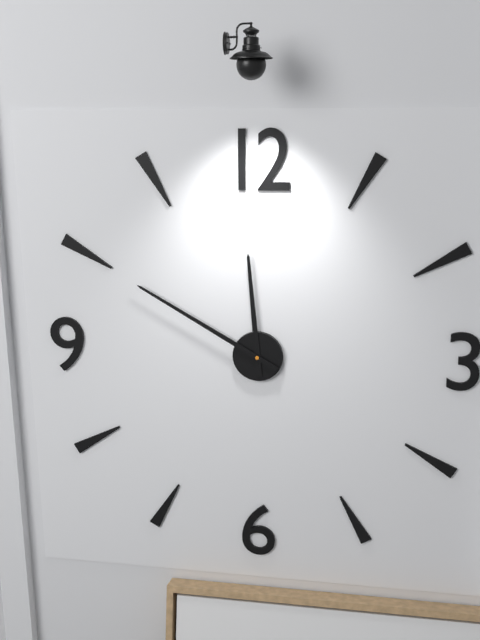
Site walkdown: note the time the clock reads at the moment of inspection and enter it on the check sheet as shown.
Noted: 11:50
